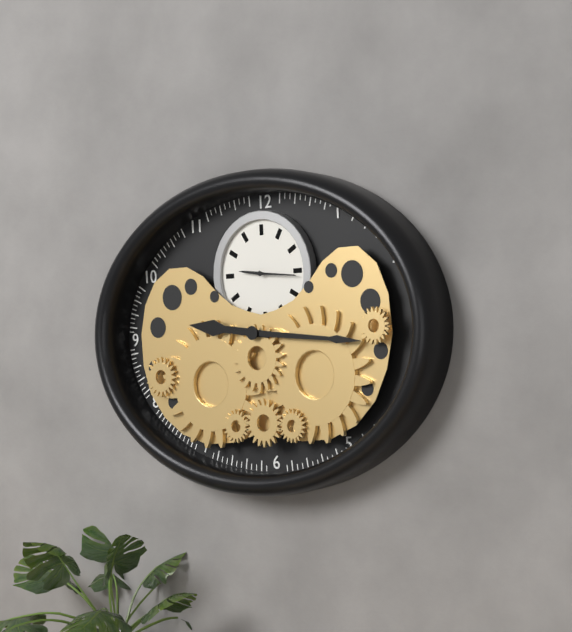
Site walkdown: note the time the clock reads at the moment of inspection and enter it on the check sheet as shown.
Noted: 9:16
